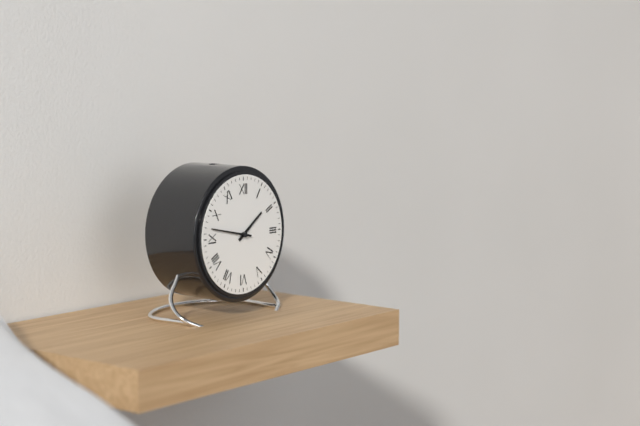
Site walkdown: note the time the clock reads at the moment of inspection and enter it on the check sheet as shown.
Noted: 1:47
